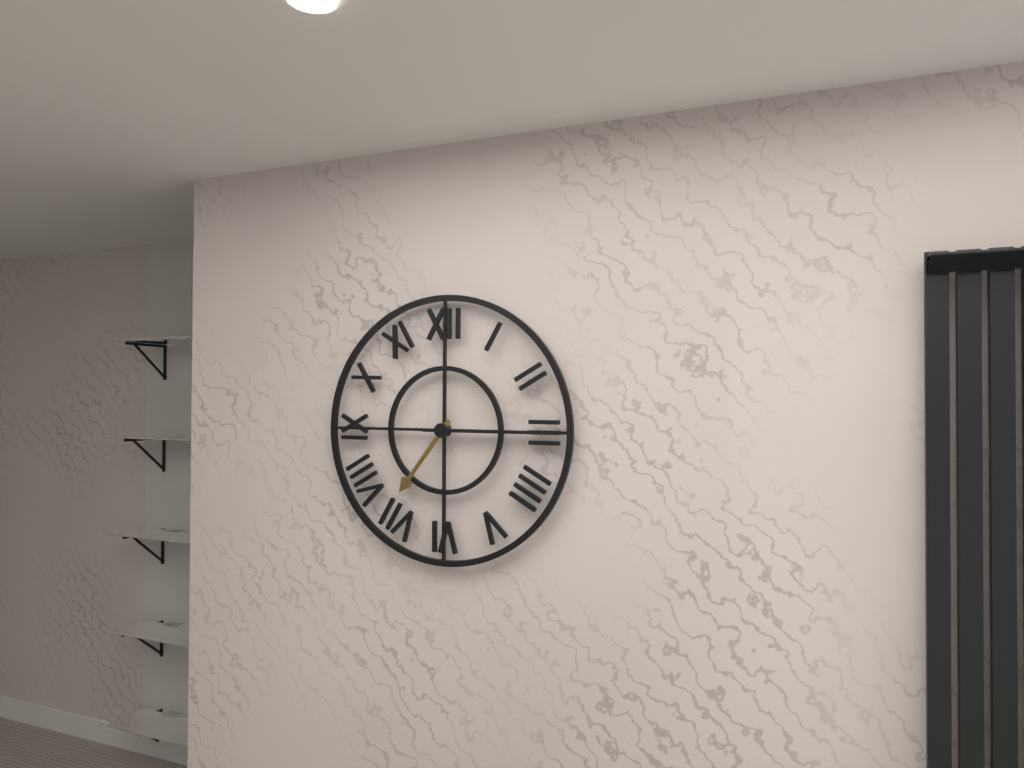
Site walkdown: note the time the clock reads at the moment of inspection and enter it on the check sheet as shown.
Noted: 7:15
